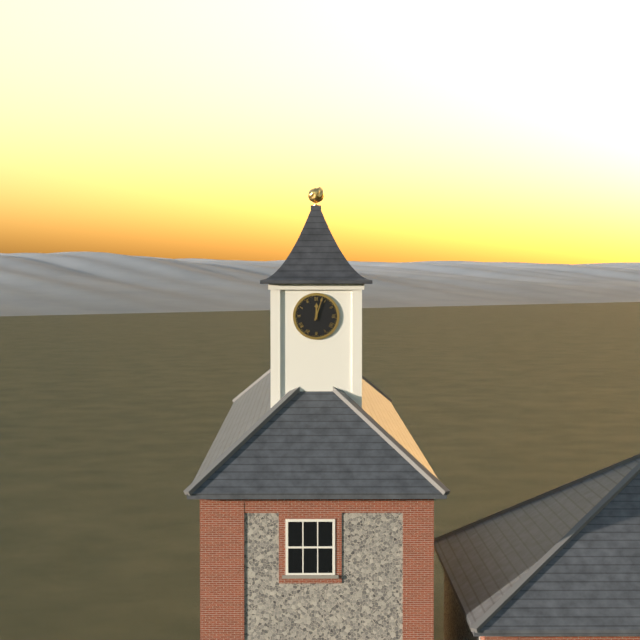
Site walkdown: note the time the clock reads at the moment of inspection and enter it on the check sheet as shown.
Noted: 12:03
